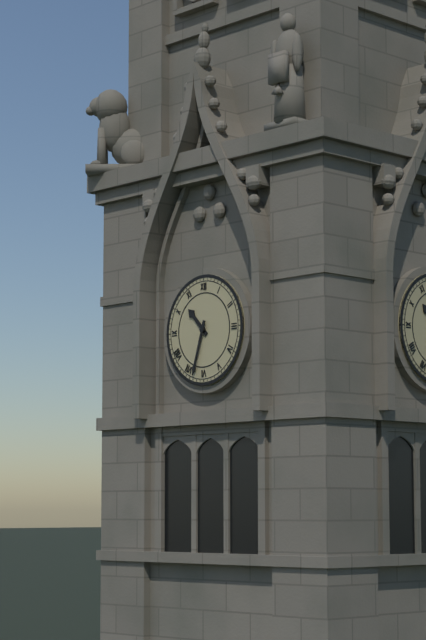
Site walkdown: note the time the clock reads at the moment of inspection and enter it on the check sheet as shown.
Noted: 10:33
